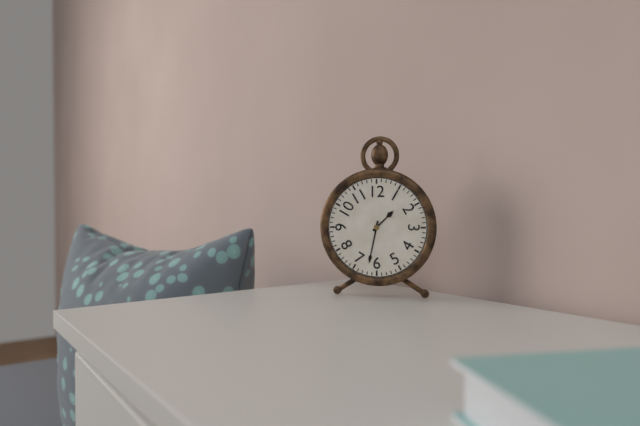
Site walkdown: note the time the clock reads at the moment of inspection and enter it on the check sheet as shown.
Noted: 1:32
